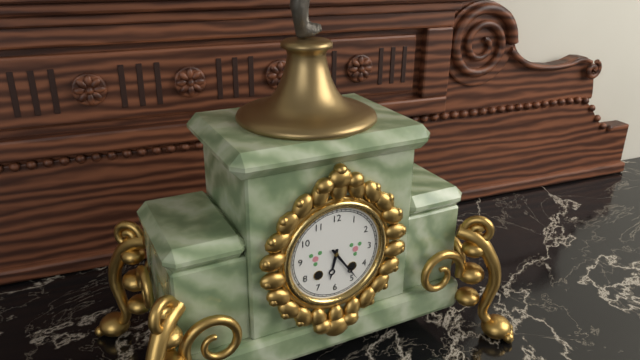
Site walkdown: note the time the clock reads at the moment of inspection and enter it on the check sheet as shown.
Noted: 6:24
